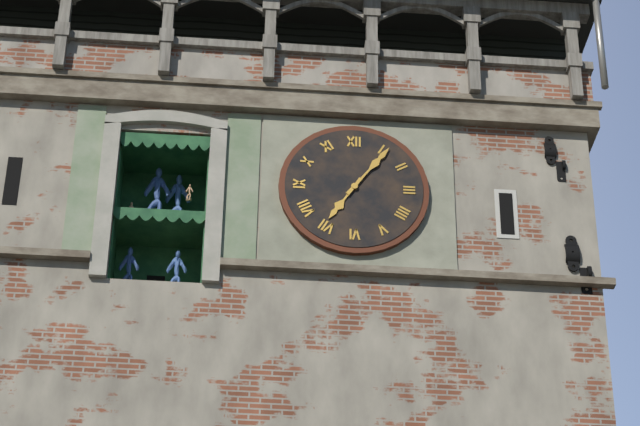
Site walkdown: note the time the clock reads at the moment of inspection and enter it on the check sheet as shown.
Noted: 7:06
